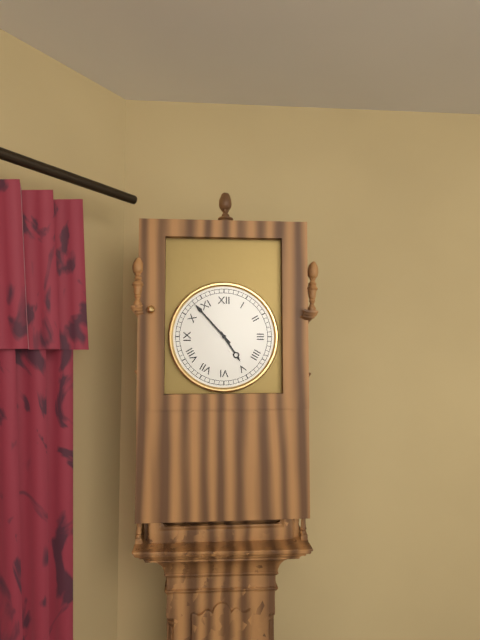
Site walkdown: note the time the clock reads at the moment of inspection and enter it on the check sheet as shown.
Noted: 4:53
